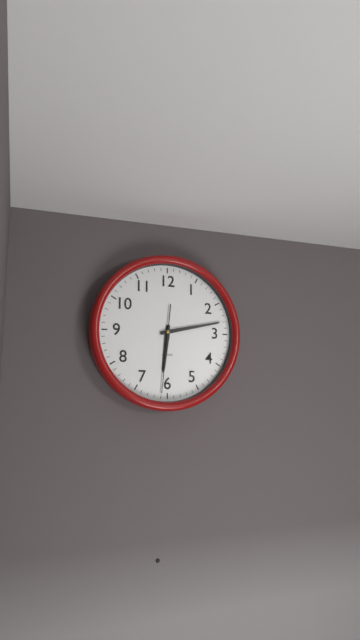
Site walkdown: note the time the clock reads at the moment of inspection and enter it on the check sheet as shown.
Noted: 6:13:31
